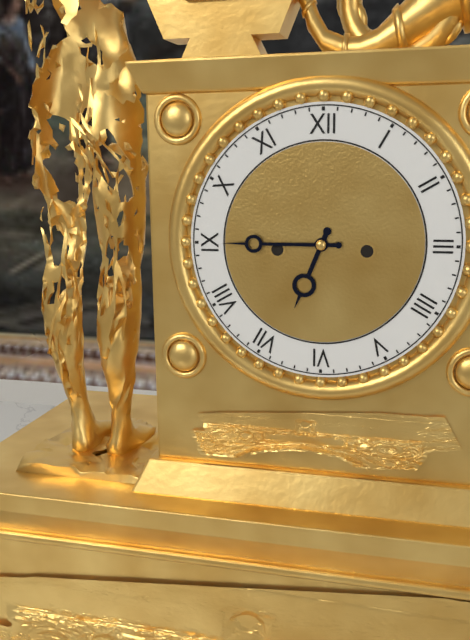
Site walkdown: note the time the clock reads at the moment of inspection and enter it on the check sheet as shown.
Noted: 6:45
